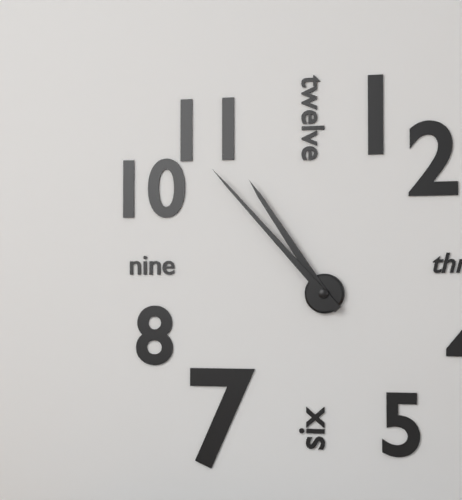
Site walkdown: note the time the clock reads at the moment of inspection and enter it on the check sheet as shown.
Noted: 10:53
